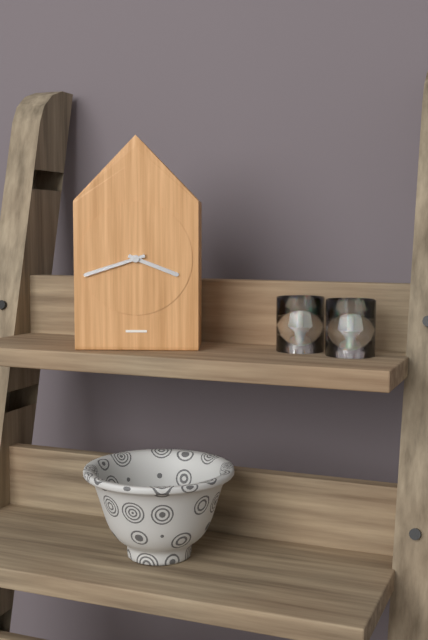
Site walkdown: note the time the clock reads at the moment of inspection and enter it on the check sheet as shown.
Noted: 3:42
